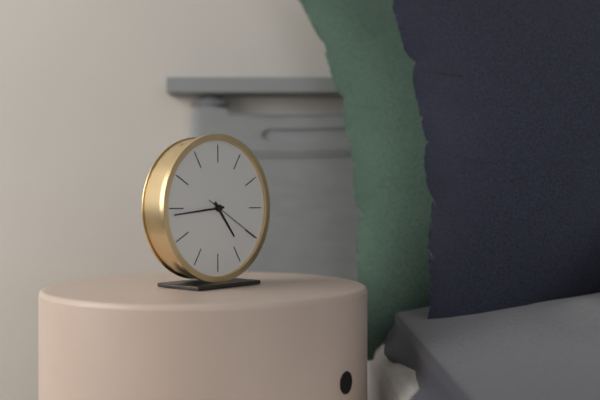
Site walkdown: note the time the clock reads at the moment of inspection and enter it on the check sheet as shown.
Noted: 4:44:20
